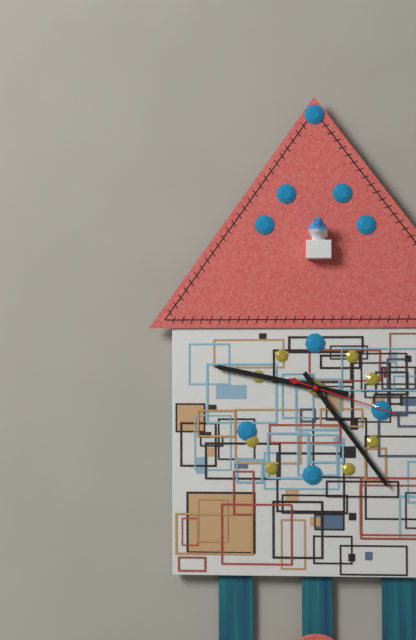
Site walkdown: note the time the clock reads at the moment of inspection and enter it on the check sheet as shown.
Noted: 9:24:18
